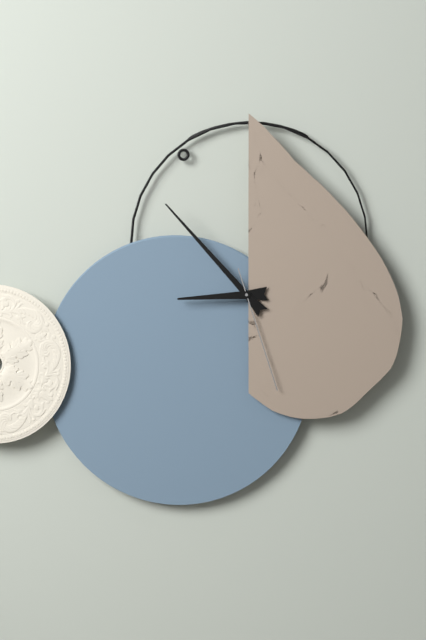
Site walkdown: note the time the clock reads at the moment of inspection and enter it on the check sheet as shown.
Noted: 8:53:27
